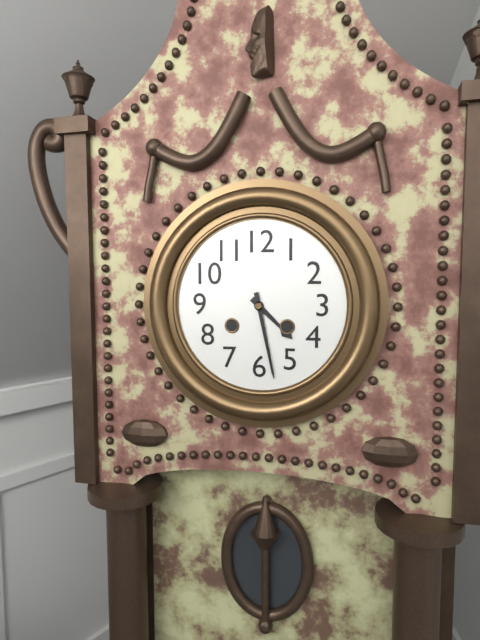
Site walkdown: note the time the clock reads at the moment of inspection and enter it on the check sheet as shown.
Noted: 4:28
